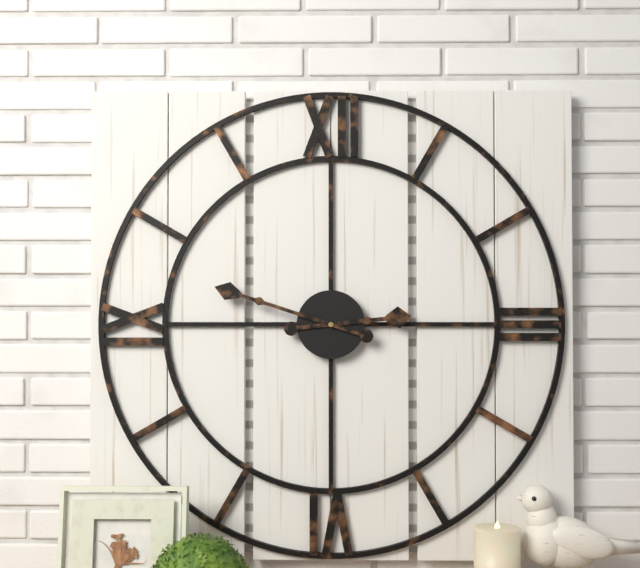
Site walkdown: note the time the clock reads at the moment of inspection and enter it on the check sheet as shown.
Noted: 2:48
